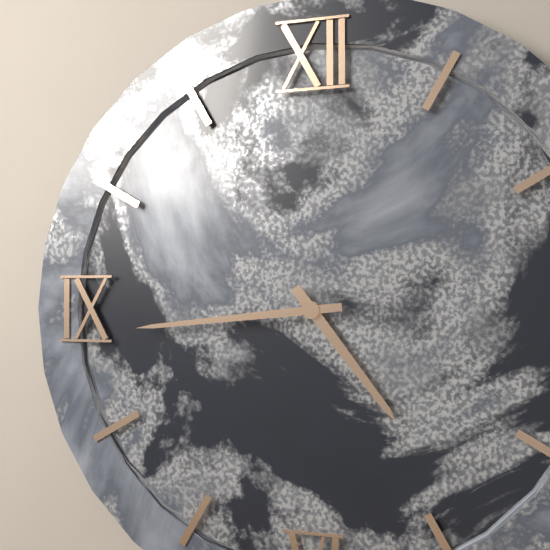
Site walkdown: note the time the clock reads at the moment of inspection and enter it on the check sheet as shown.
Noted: 4:44
